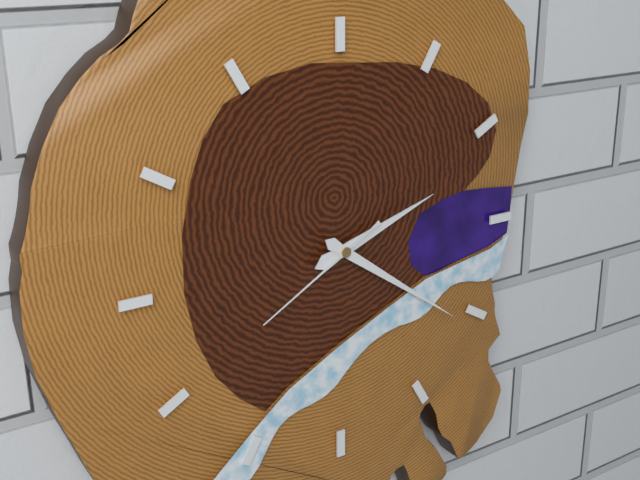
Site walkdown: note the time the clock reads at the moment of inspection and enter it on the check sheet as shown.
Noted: 2:21:40
